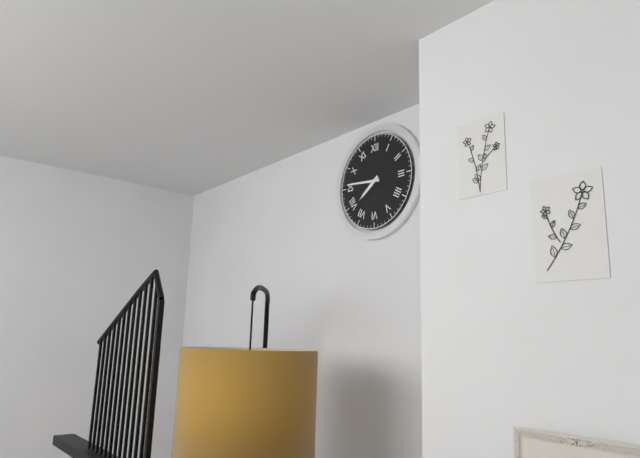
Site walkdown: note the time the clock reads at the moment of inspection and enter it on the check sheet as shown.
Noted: 7:46
